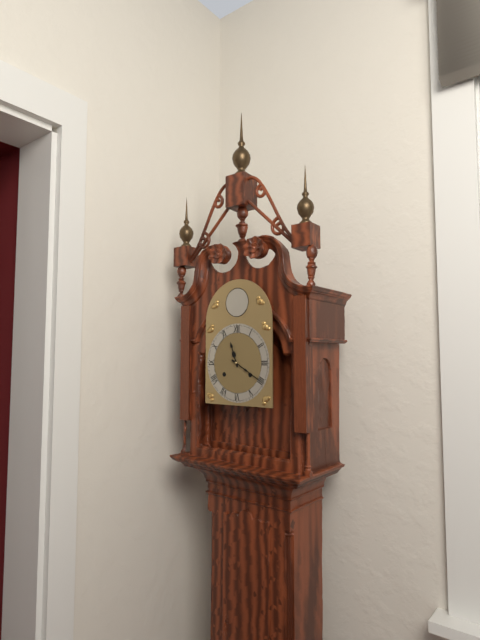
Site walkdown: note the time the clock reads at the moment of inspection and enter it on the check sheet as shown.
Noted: 11:20
